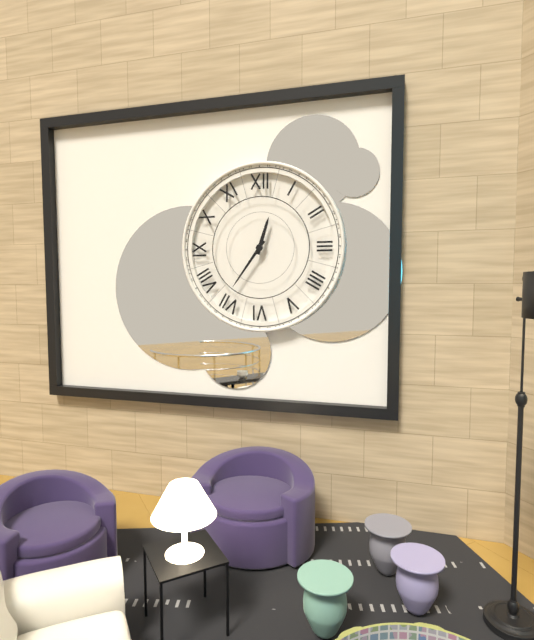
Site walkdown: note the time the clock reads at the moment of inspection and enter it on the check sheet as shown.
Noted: 12:36
